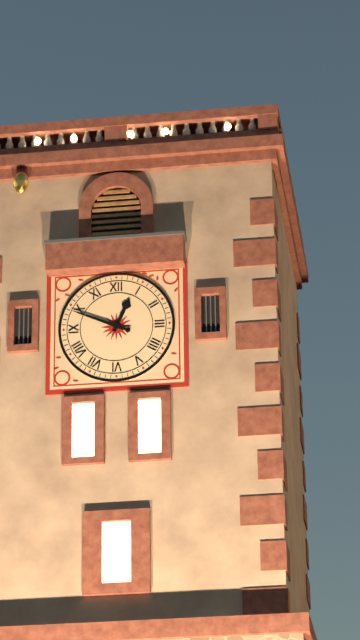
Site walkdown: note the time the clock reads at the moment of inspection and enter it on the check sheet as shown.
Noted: 12:49
